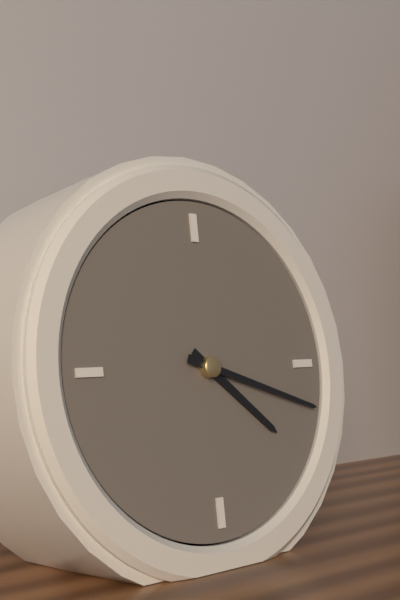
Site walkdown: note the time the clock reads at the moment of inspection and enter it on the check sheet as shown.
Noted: 4:18
